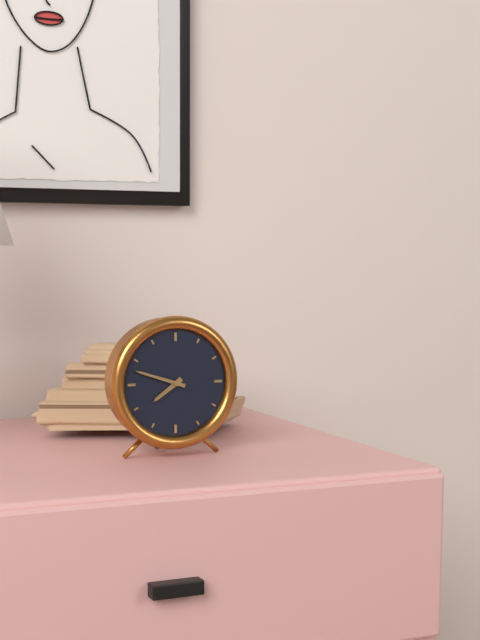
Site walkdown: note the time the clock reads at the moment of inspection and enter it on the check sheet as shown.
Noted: 7:48
